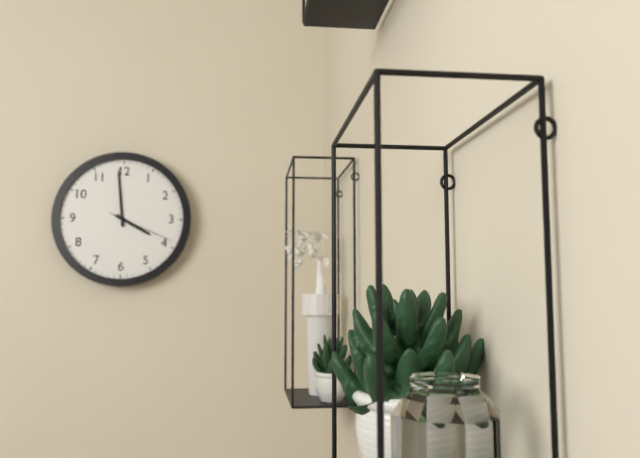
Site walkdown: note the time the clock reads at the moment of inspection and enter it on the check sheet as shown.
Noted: 3:59:19
